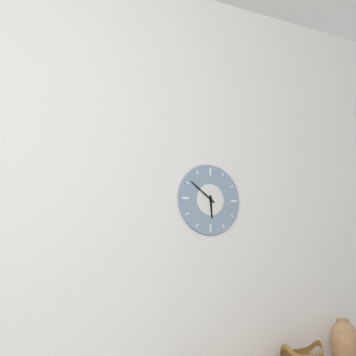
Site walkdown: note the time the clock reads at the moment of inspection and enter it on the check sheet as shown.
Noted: 5:51
